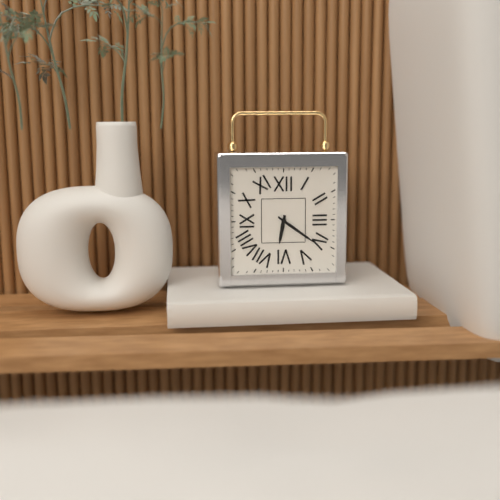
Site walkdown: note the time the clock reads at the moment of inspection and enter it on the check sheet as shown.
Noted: 6:21
